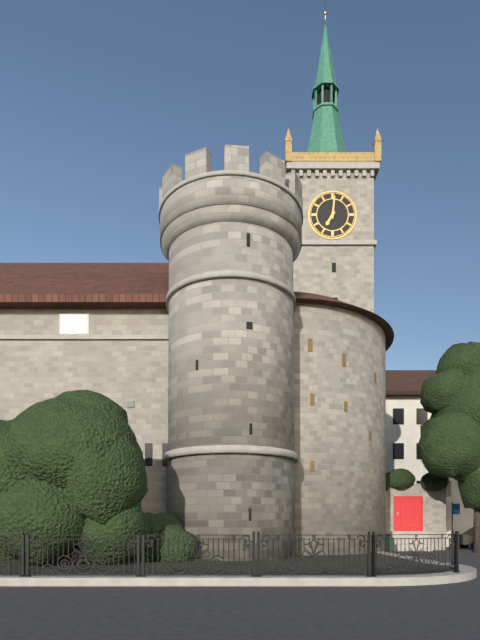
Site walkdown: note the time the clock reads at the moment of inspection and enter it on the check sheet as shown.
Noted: 7:01
